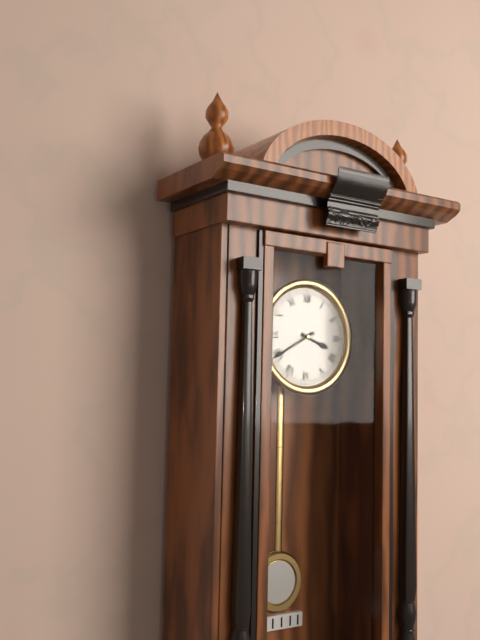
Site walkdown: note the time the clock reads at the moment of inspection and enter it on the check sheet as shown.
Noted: 3:40
